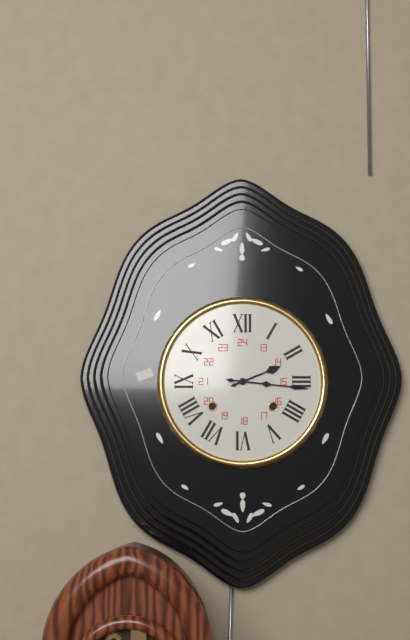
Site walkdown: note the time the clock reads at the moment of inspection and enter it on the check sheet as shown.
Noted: 2:16
